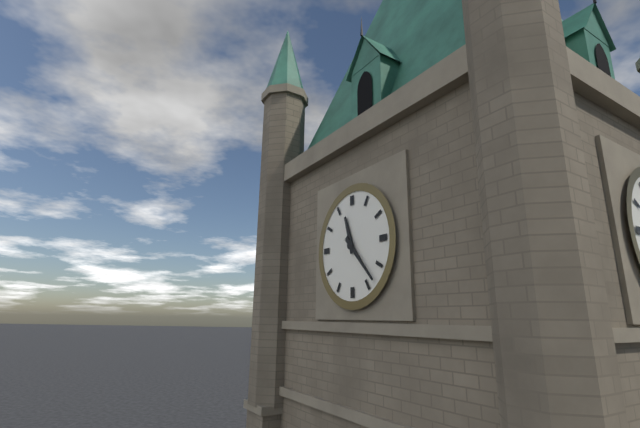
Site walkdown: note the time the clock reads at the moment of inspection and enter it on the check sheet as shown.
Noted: 11:23
